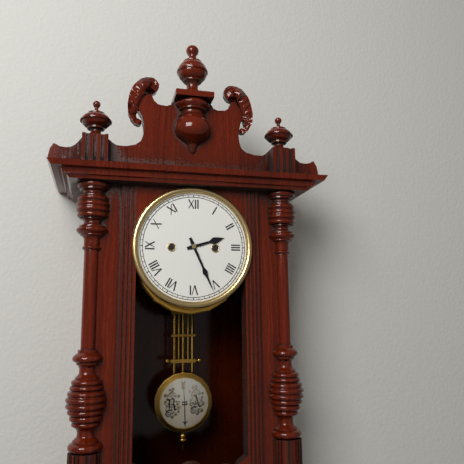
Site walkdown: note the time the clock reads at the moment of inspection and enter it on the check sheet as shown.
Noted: 2:26
